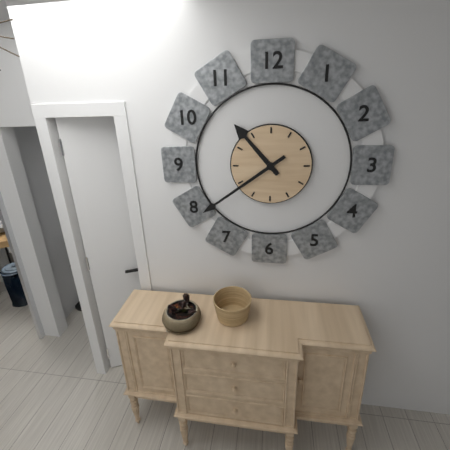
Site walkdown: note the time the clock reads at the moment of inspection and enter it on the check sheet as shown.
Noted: 10:39
